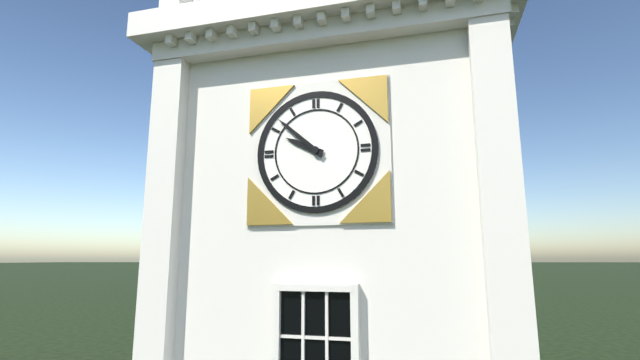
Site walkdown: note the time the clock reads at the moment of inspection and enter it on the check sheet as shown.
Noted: 9:52
